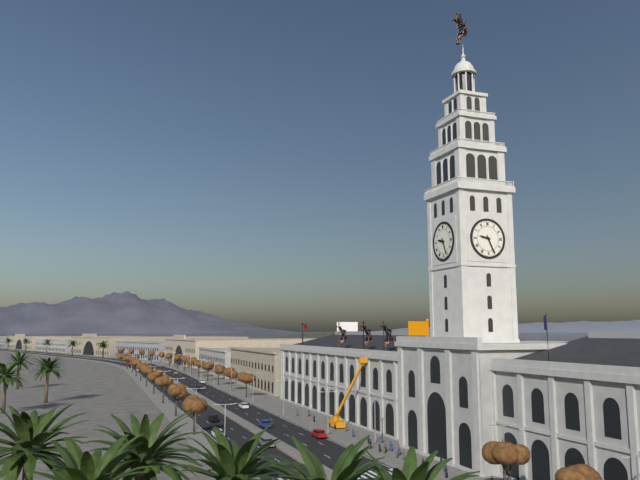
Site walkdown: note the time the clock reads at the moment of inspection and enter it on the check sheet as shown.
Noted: 9:26
